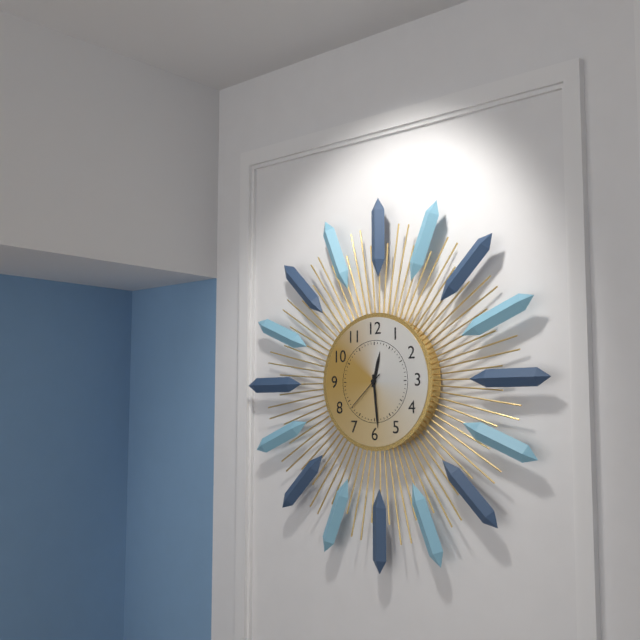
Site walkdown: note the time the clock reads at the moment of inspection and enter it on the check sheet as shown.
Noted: 12:29
